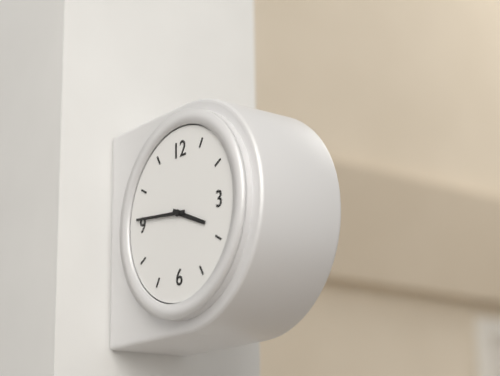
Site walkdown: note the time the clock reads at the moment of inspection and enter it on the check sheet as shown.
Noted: 3:46
